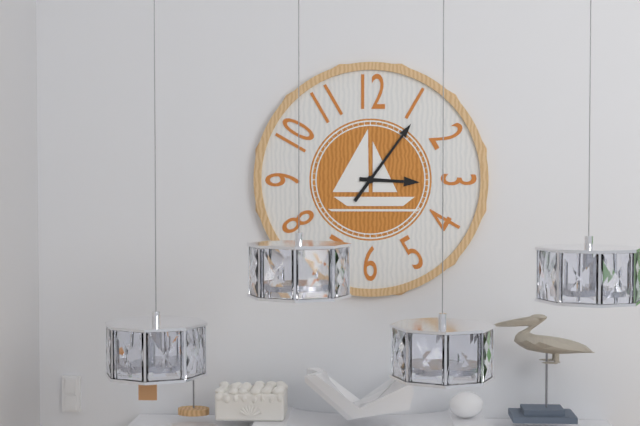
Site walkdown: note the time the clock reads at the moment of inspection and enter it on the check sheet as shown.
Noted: 3:06
